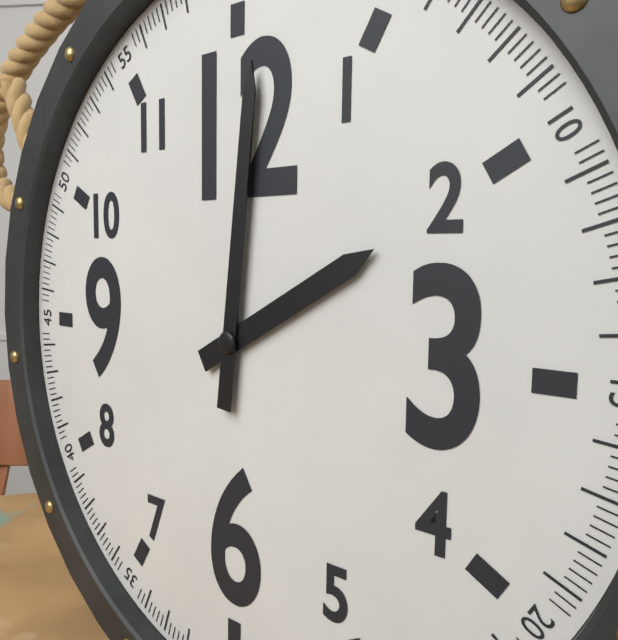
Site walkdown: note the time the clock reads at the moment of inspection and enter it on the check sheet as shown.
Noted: 2:01
